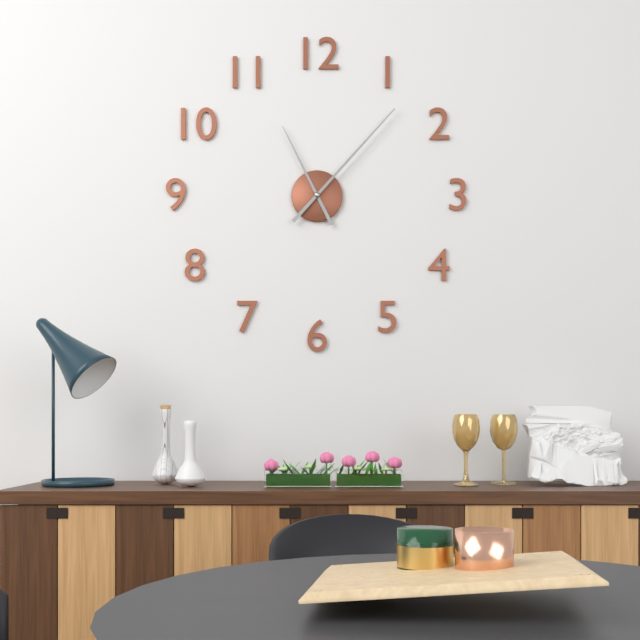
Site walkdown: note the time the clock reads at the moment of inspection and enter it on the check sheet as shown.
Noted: 11:07
